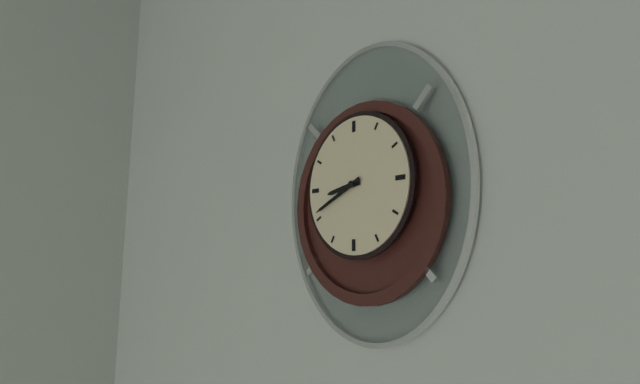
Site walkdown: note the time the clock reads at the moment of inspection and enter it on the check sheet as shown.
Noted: 8:41
